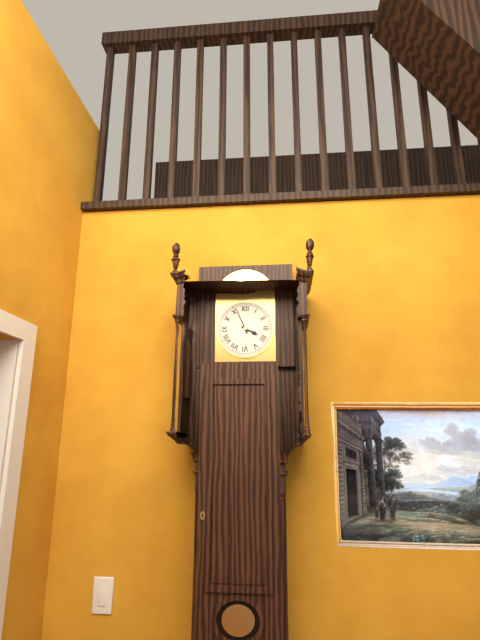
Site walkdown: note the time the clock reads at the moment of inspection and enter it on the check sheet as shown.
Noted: 3:56
